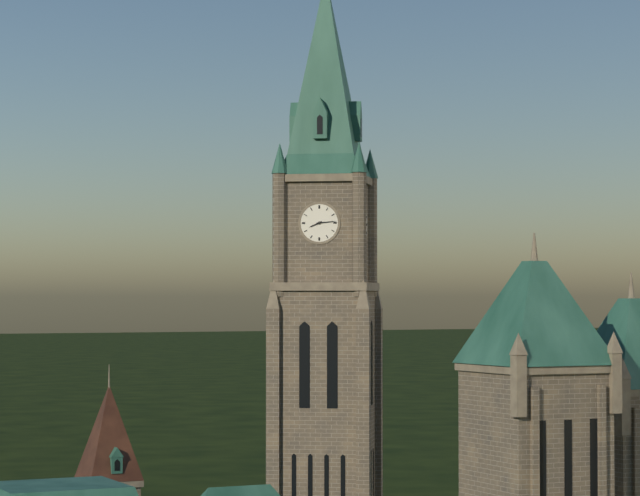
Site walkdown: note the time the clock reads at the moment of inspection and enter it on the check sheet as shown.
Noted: 8:14
